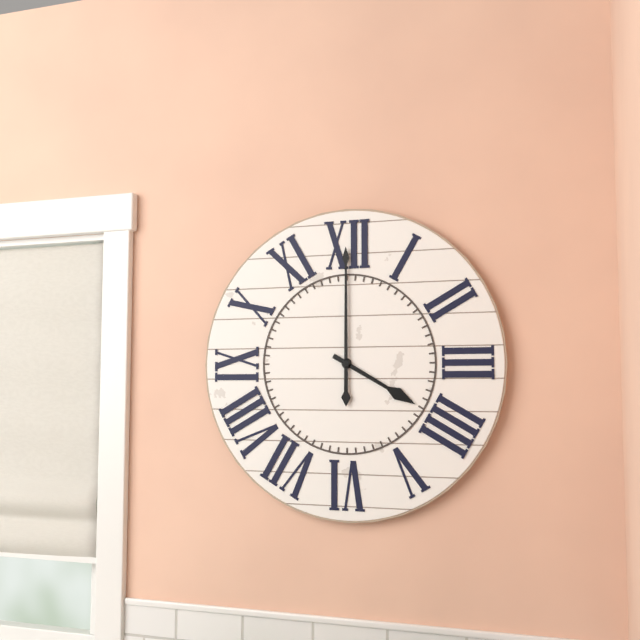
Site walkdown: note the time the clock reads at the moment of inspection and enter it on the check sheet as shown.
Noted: 4:00
